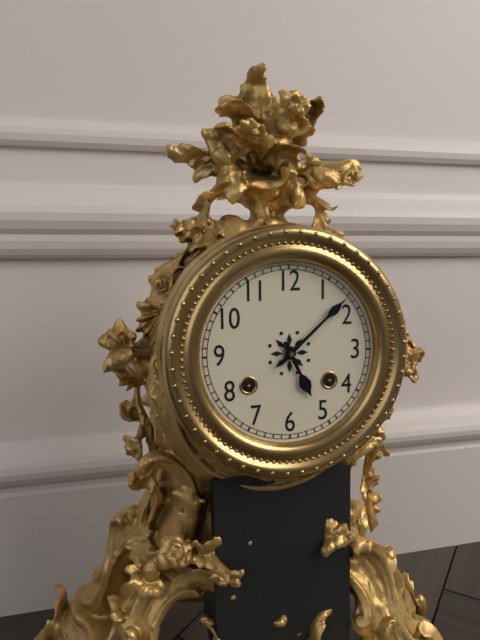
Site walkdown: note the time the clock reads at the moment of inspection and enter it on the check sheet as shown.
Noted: 5:08
